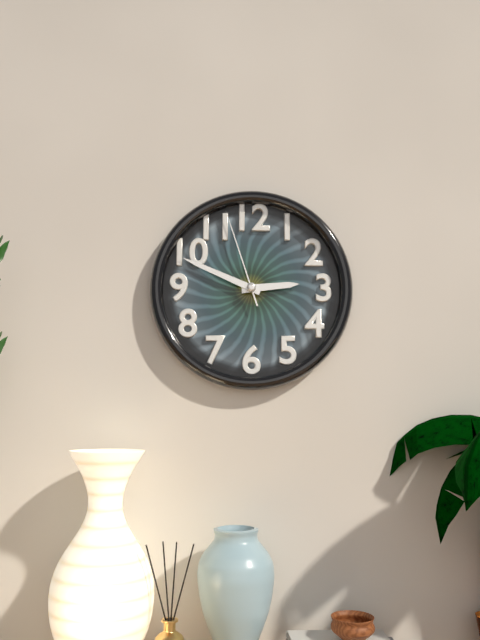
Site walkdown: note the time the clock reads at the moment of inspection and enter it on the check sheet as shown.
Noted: 2:49:57
